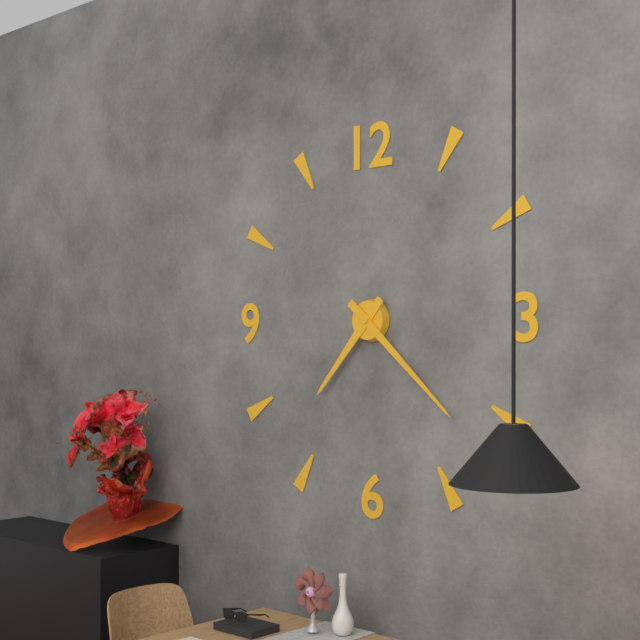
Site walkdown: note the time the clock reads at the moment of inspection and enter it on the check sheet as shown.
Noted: 7:22
